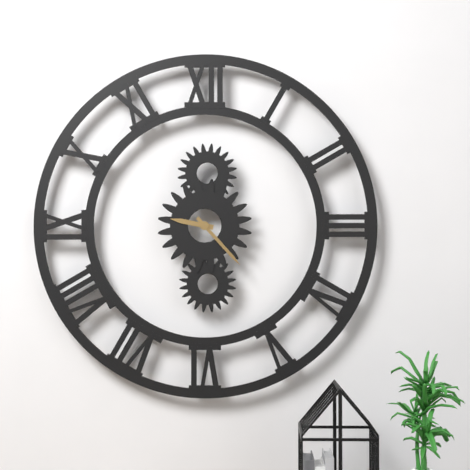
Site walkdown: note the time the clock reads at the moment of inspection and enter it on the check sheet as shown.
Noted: 9:23
